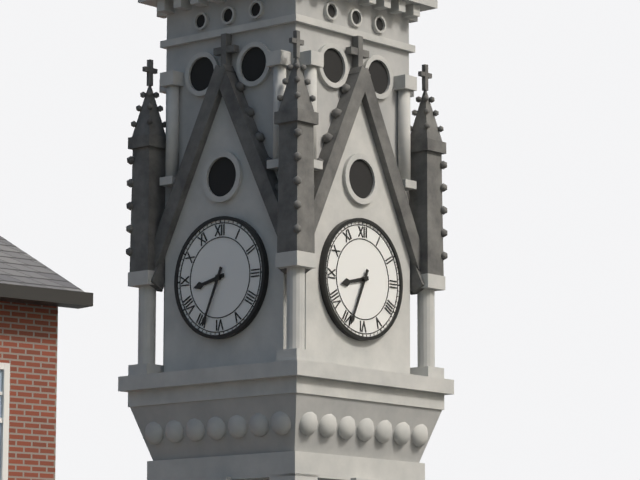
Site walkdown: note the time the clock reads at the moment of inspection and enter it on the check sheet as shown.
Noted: 8:34
